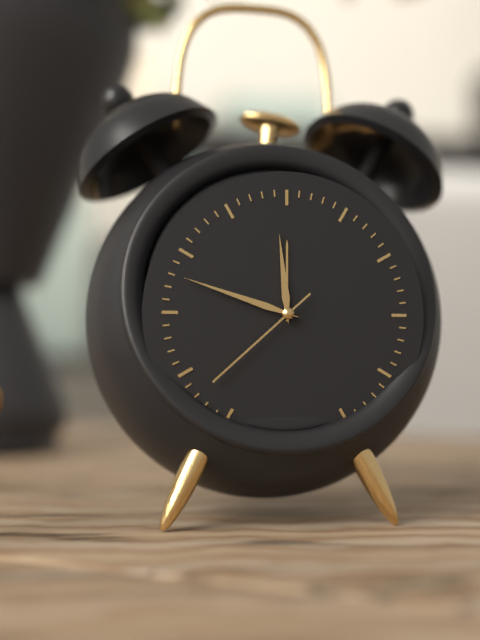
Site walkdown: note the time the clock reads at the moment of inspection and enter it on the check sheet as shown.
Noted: 11:48:38
